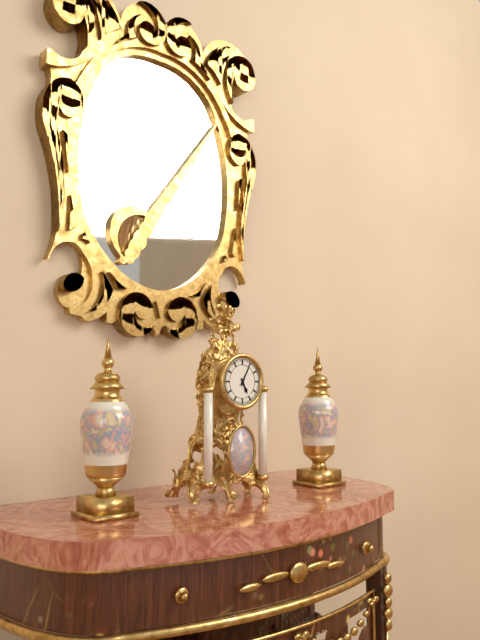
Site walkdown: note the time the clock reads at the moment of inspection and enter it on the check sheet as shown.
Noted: 5:05
